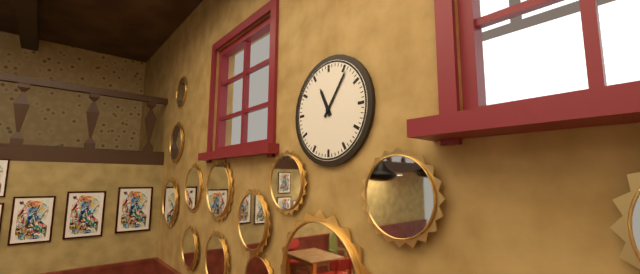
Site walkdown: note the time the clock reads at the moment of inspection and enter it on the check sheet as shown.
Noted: 11:06
